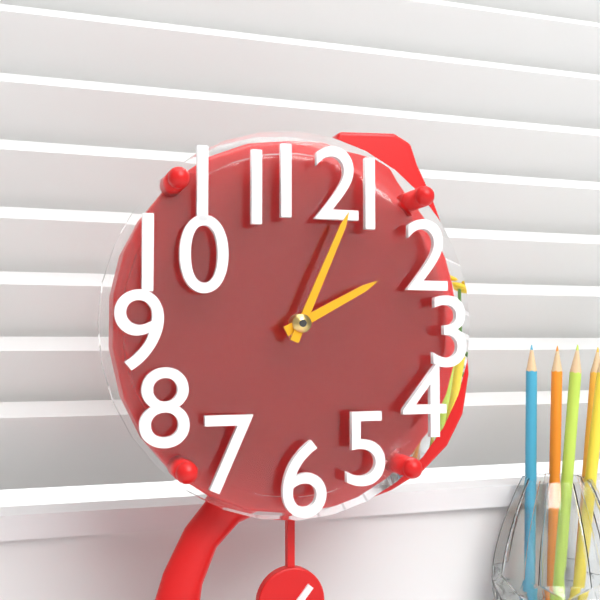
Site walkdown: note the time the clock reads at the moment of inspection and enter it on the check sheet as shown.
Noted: 2:04
